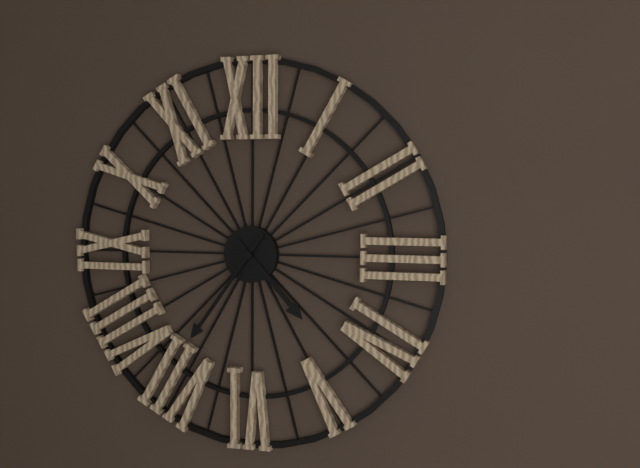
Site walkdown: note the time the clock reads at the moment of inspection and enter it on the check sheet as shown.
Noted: 4:36
